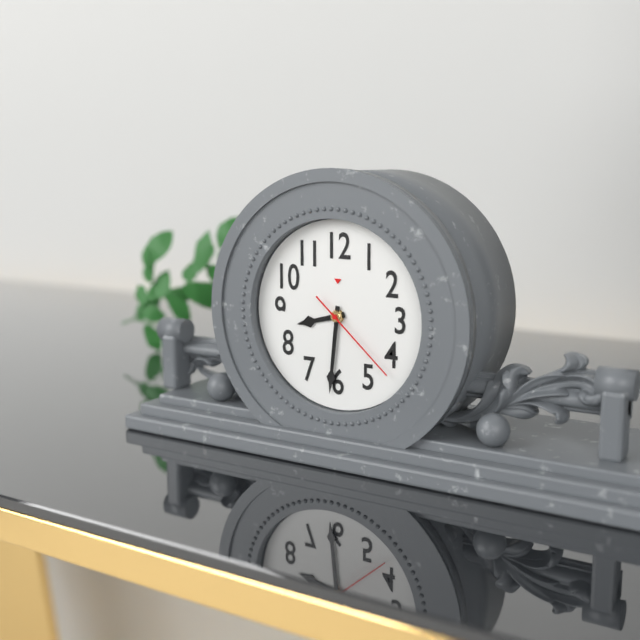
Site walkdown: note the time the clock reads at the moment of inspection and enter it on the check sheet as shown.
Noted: 8:31:22
